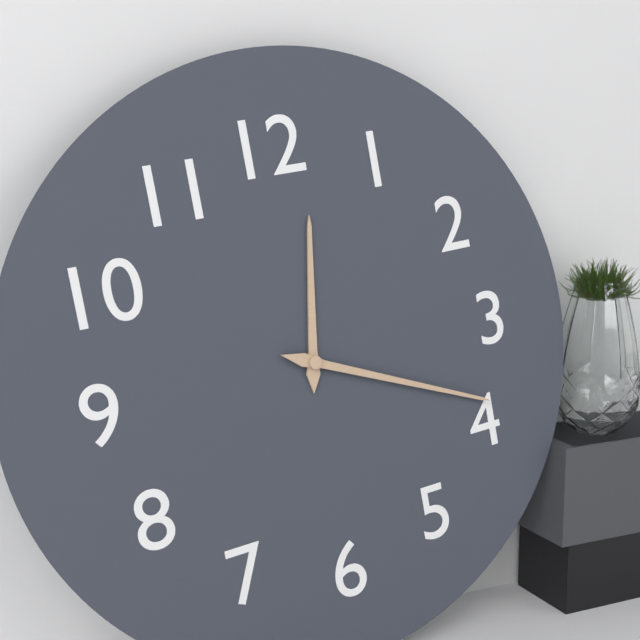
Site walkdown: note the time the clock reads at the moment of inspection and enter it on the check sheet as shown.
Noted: 12:19
